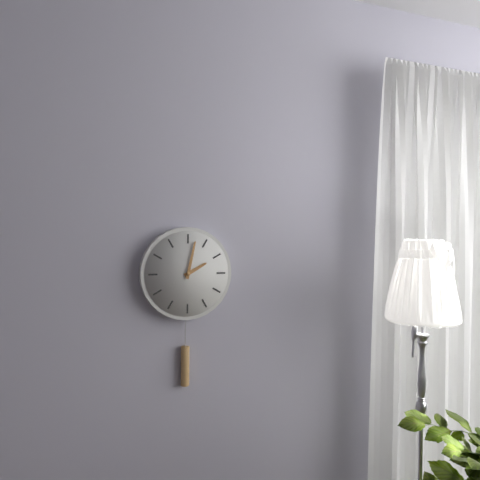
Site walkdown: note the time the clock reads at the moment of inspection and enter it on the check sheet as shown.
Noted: 2:02
